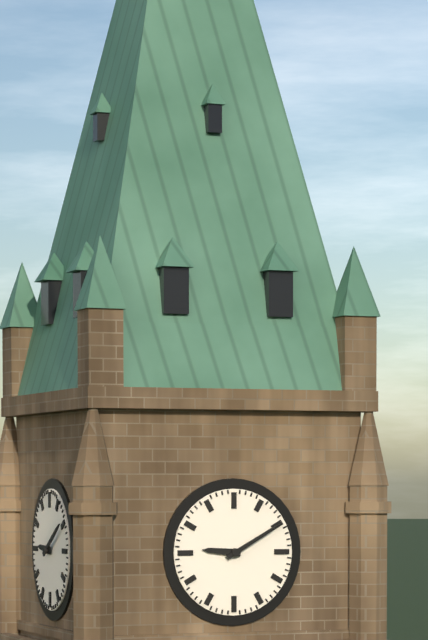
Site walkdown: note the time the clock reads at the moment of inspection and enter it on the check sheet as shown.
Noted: 9:10
